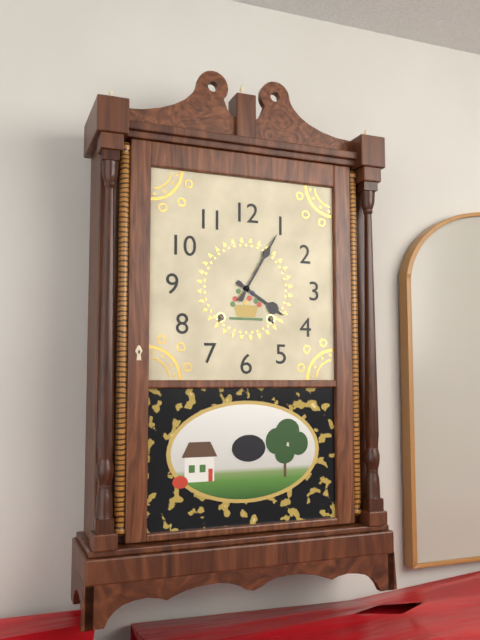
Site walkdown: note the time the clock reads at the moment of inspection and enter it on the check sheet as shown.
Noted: 4:05
